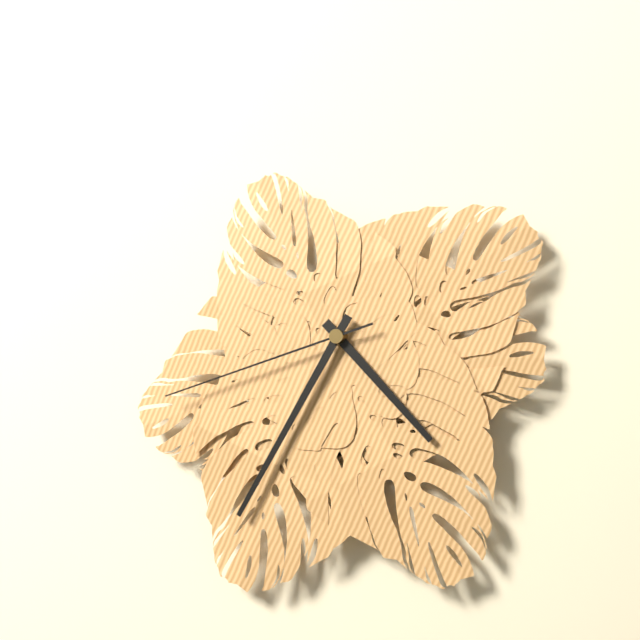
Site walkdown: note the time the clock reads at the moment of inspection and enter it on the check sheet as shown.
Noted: 4:35:42
